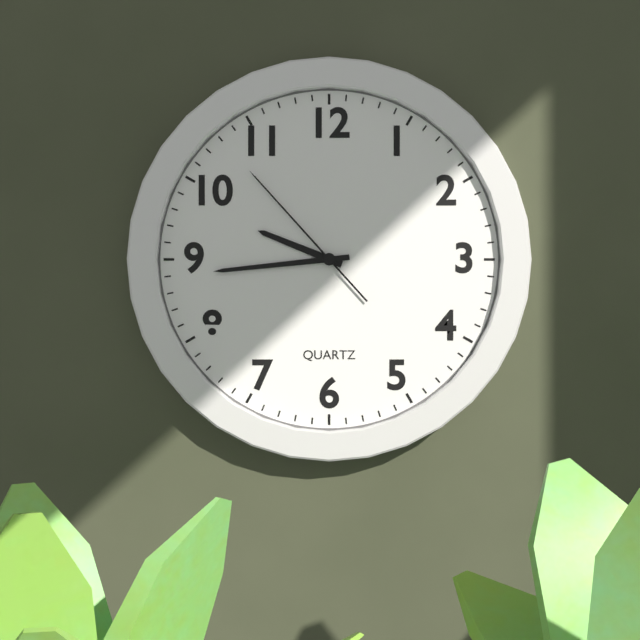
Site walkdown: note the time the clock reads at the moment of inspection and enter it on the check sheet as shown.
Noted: 9:44:53
